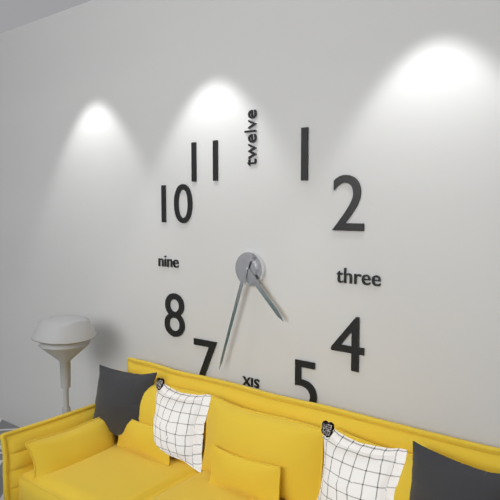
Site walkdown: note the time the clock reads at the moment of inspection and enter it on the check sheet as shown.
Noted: 4:33
